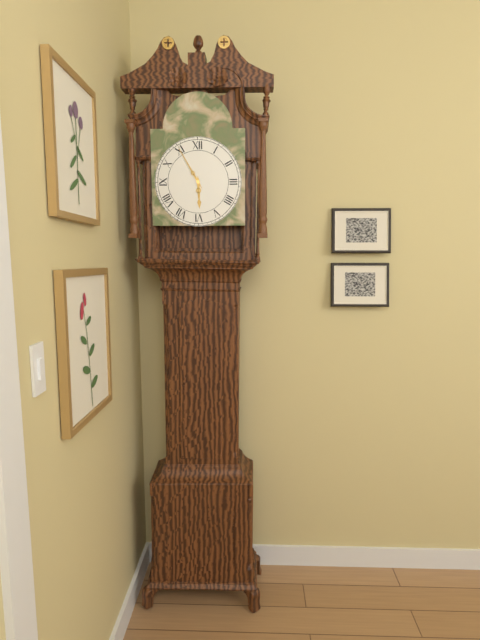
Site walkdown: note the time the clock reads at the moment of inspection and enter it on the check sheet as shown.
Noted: 5:55
